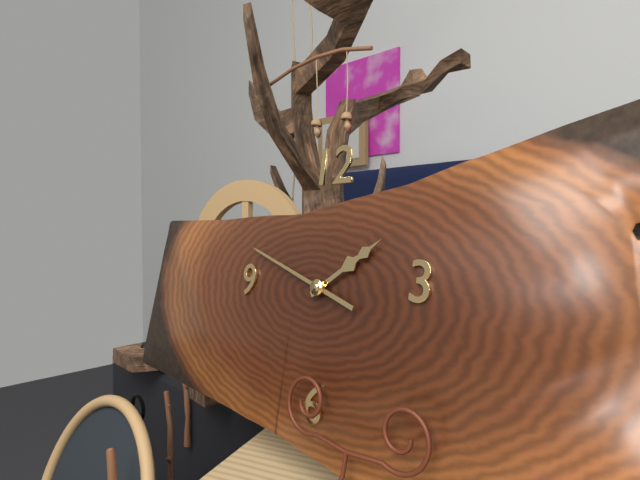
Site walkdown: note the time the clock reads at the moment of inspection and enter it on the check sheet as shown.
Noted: 1:48
